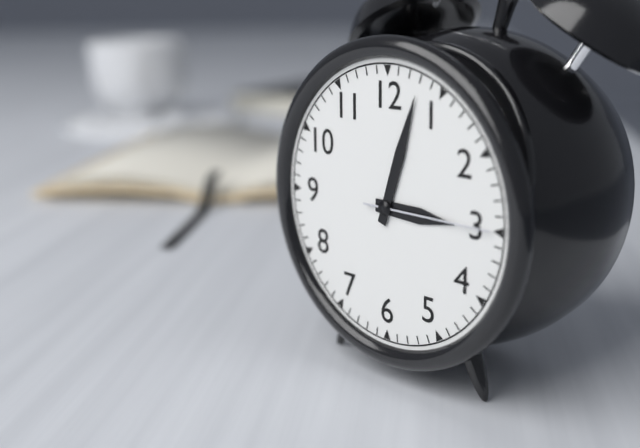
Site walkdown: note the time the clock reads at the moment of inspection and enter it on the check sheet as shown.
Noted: 3:03:15
